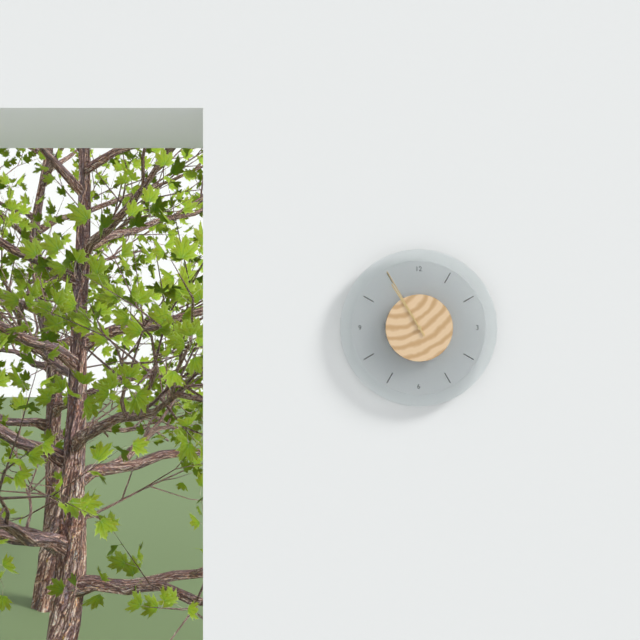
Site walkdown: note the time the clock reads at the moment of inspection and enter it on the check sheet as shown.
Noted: 10:55
